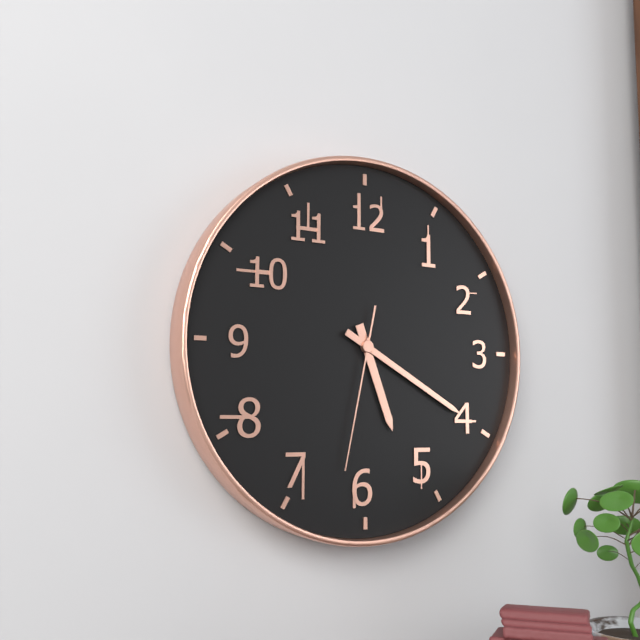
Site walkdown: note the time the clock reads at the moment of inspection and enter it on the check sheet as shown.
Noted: 5:20:32
